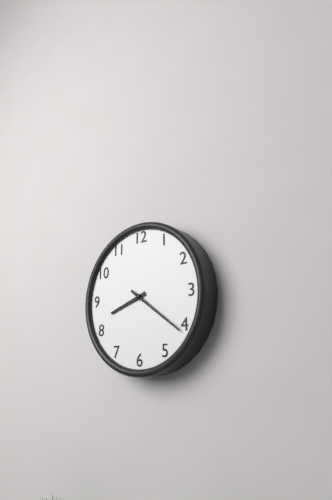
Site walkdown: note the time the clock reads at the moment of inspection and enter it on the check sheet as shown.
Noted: 8:21
